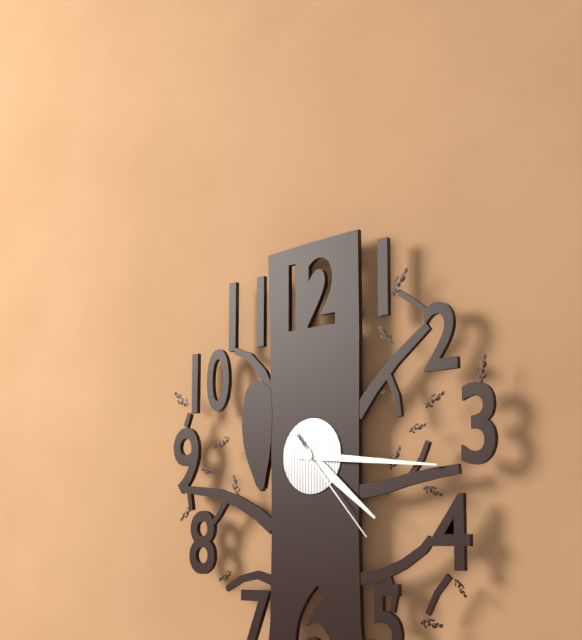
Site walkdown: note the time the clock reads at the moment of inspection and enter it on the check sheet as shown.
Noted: 4:16:23
